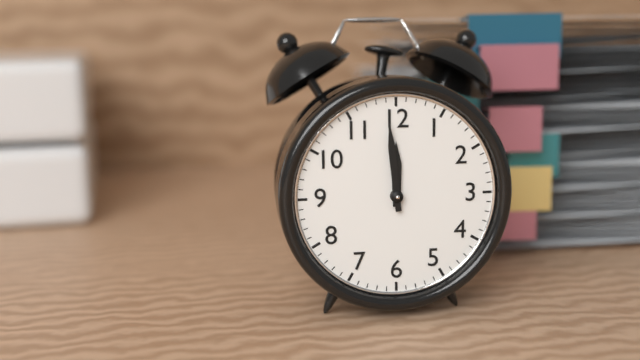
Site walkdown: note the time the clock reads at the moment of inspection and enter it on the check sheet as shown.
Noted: 11:59
